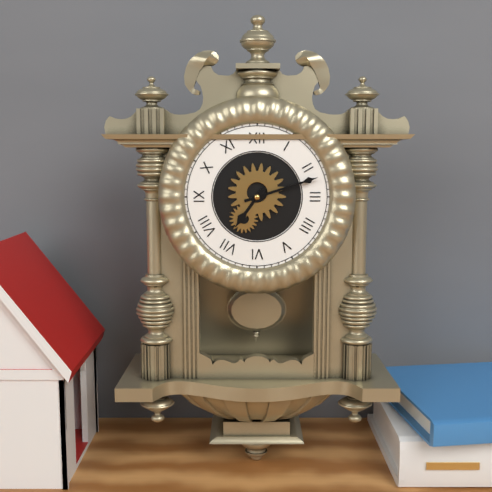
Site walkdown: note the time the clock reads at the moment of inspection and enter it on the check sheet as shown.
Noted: 7:12
